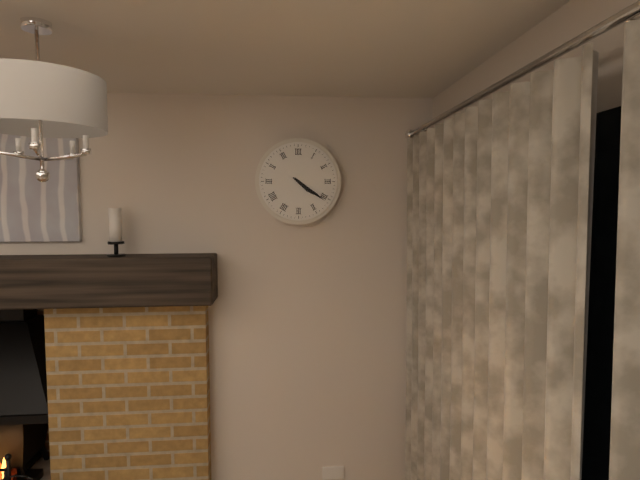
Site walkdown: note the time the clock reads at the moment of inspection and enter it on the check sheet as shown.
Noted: 4:21
